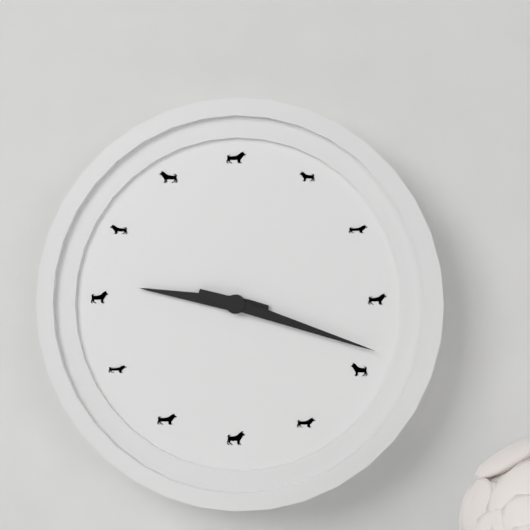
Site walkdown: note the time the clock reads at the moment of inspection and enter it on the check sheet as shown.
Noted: 9:18
